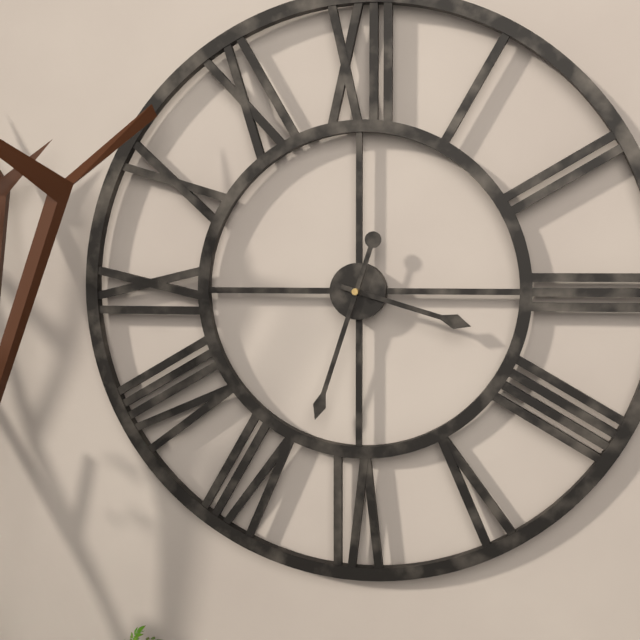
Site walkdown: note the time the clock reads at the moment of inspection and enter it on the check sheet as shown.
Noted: 3:33
